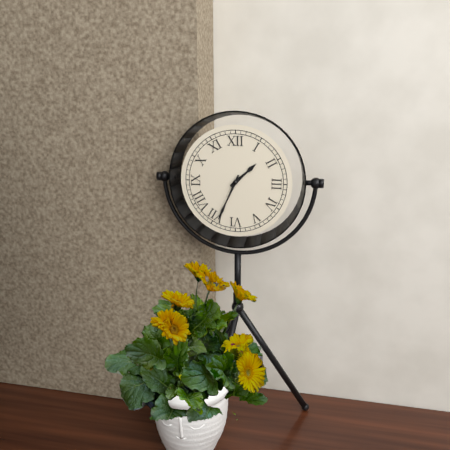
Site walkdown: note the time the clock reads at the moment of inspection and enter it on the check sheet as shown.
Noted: 1:34
